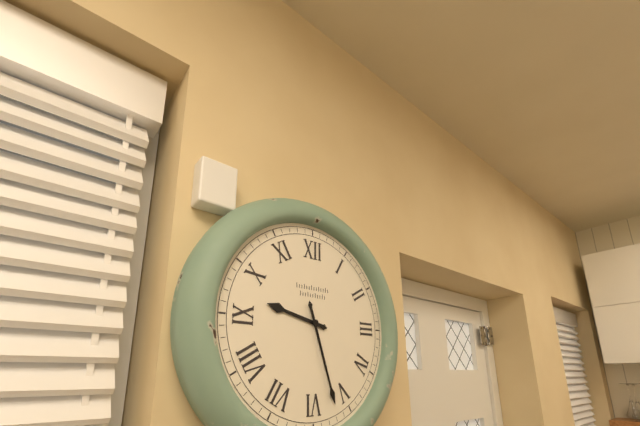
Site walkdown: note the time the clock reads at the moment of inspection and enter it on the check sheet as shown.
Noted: 9:27
